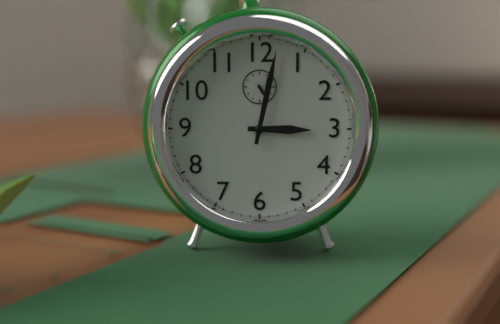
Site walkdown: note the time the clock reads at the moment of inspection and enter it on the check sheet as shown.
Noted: 3:02
